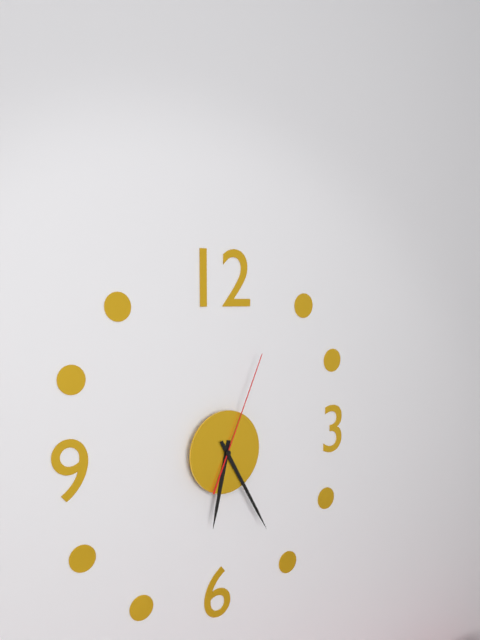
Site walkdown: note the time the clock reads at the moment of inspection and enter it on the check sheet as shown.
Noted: 6:25:04
